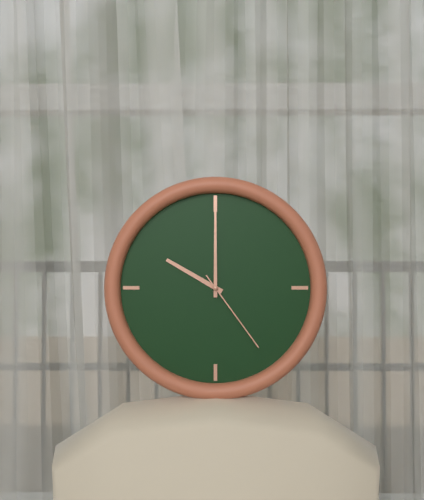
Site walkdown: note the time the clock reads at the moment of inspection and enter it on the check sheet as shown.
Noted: 10:00:24
